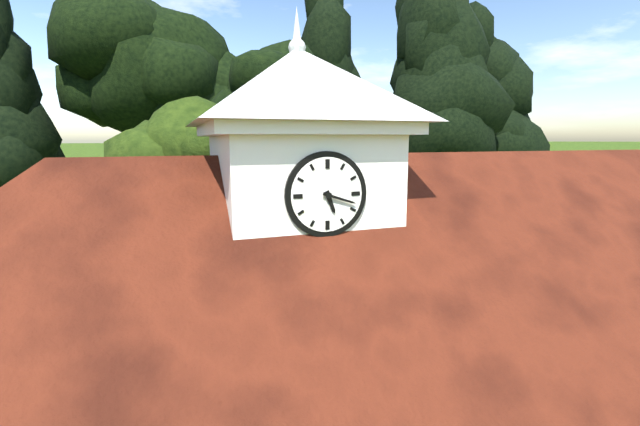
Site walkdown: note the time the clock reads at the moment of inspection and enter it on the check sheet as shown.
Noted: 5:18
